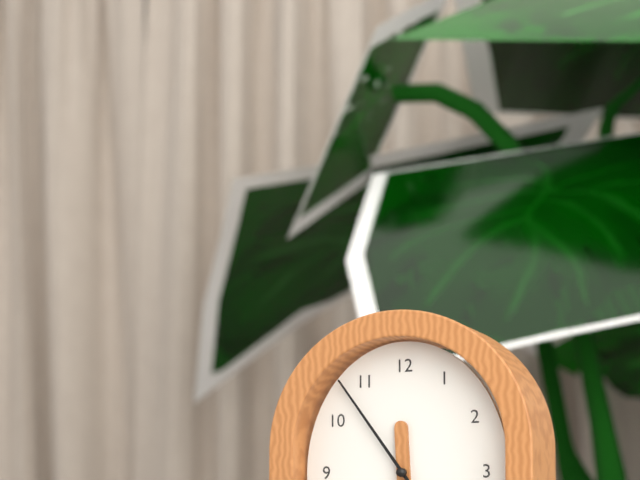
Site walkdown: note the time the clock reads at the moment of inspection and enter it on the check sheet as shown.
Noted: 11:54
